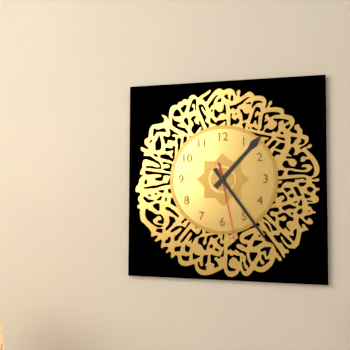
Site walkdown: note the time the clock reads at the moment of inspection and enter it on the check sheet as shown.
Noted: 1:24:28
